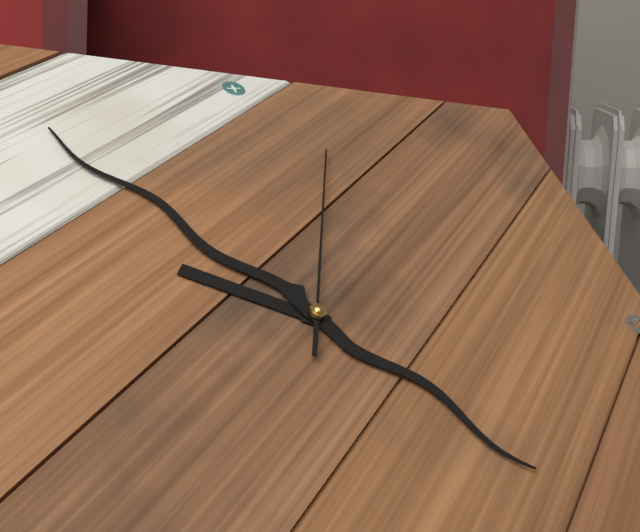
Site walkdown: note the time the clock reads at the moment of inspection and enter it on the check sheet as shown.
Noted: 9:53:03
